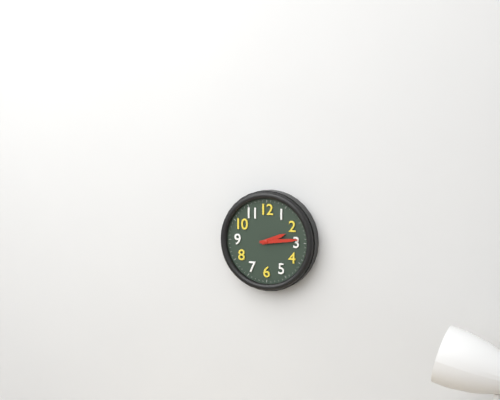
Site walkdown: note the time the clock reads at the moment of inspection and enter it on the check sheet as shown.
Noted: 2:14
